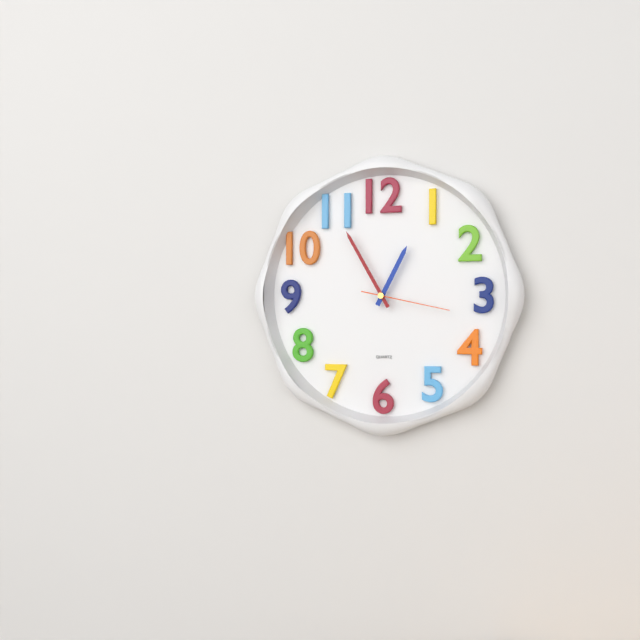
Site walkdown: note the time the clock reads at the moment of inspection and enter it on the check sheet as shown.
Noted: 12:55:17
